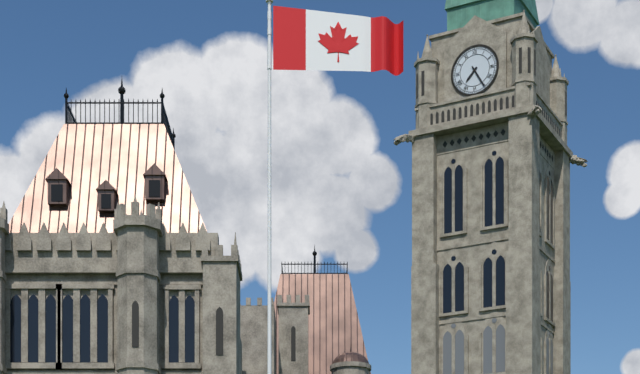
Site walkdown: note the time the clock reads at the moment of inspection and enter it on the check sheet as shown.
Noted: 7:25
